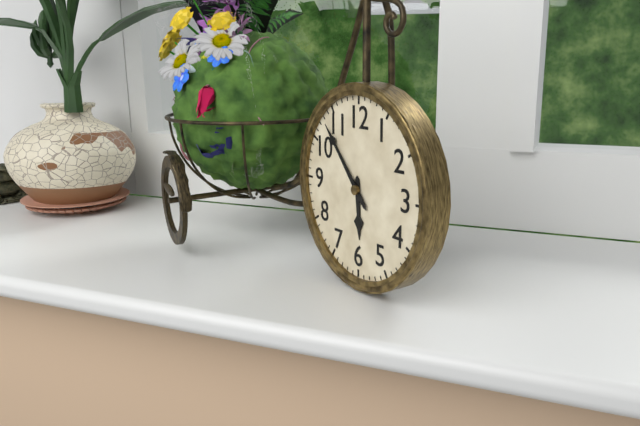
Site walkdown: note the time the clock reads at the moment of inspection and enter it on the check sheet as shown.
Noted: 5:53
